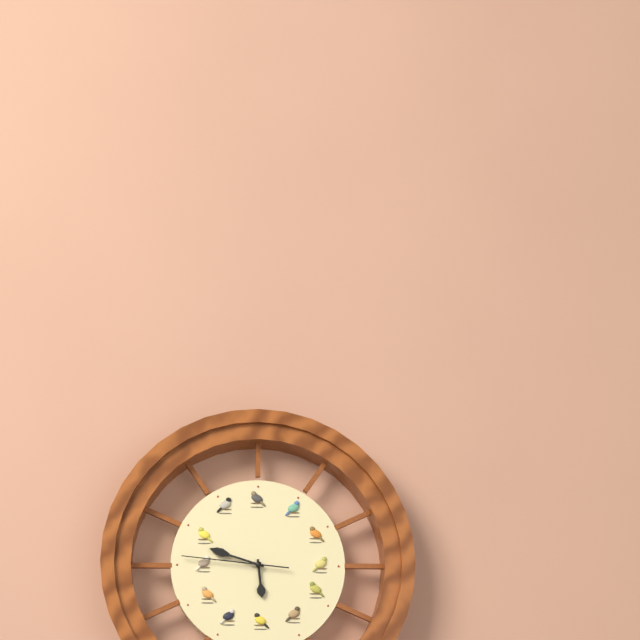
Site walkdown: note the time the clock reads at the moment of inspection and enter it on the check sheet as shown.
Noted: 5:48:46
